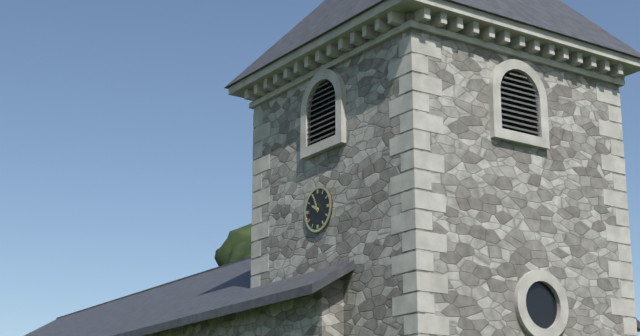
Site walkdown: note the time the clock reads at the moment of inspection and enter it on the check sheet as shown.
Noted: 9:56
